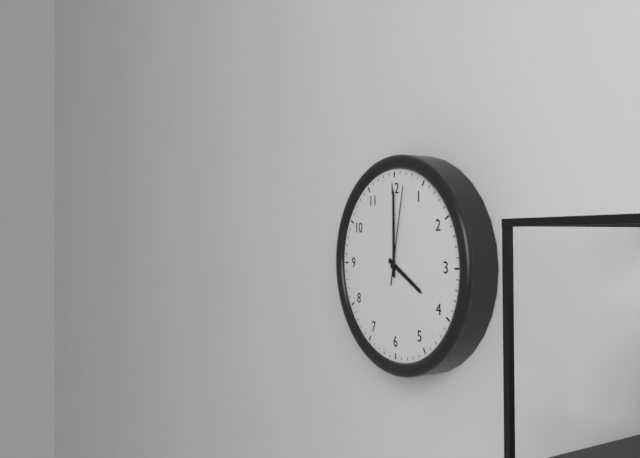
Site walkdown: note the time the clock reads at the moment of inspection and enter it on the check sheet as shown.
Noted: 4:00:02
